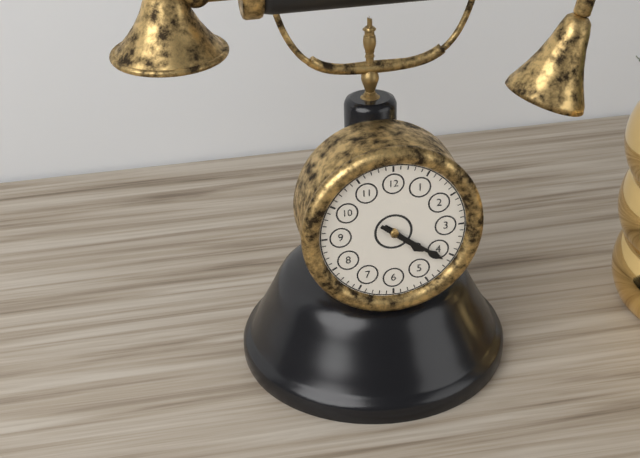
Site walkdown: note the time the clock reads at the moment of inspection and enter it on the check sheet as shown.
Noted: 4:21
